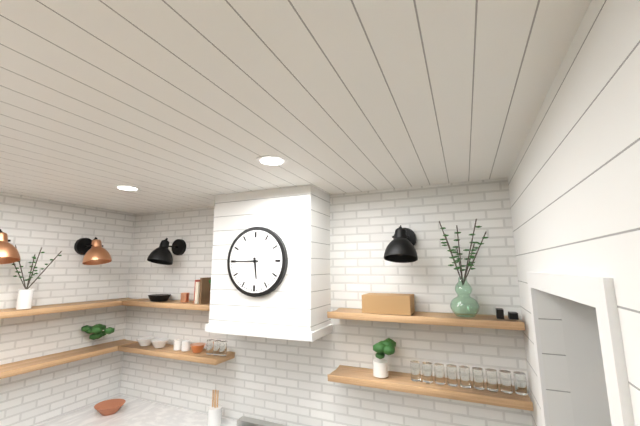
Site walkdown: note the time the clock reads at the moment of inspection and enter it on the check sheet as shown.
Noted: 5:45
